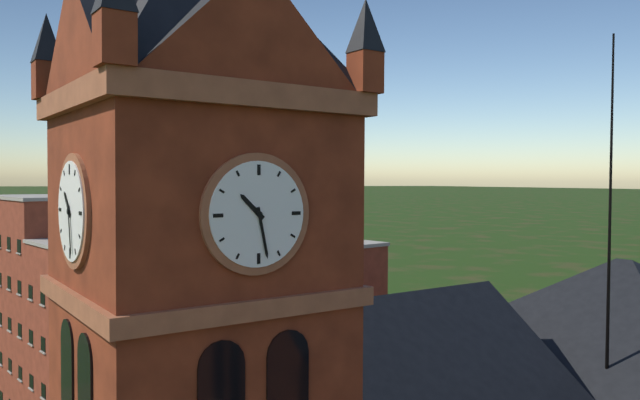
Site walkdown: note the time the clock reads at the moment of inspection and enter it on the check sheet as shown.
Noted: 10:28
